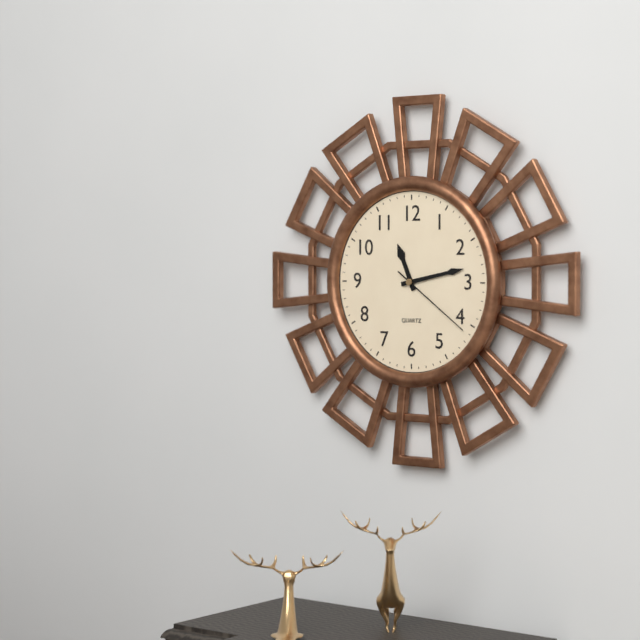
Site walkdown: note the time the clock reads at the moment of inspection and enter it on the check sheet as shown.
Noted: 11:13:21
